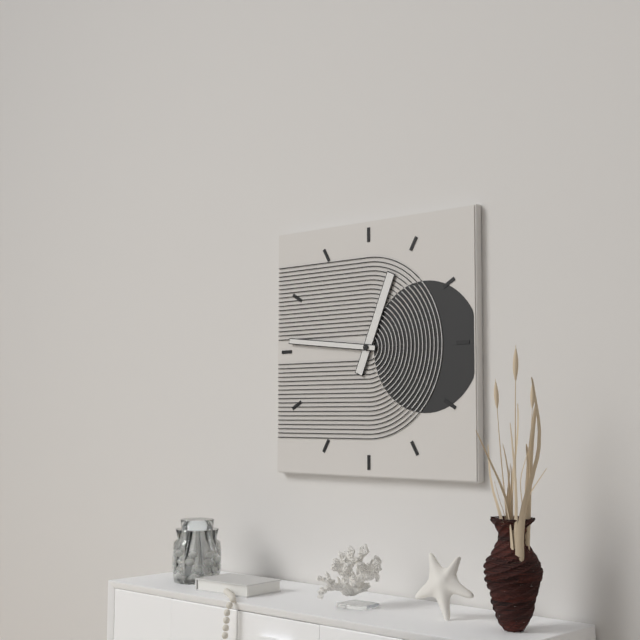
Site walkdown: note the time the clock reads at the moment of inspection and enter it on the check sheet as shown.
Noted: 12:46
